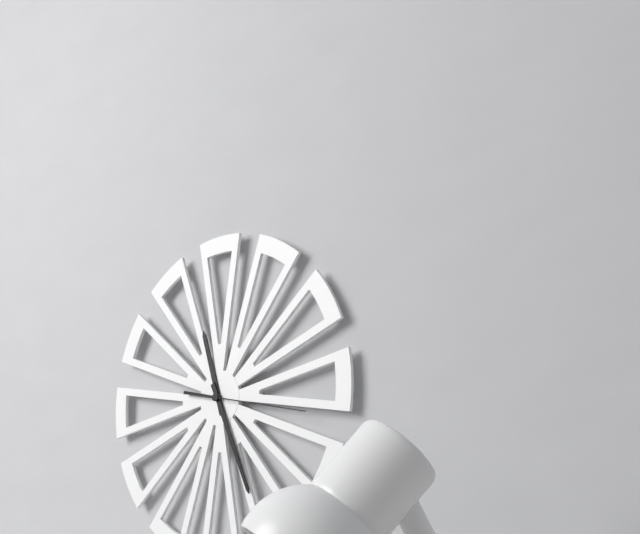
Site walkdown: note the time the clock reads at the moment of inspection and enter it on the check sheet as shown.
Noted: 11:26:17
